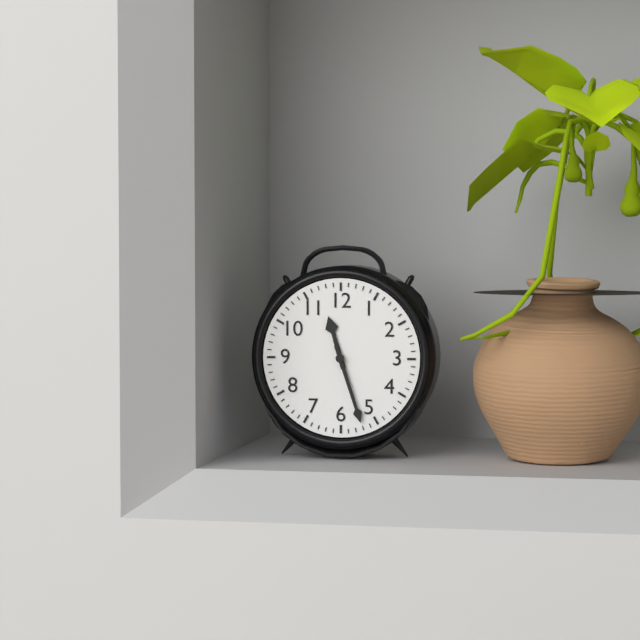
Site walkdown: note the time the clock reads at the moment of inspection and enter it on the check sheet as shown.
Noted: 11:27
